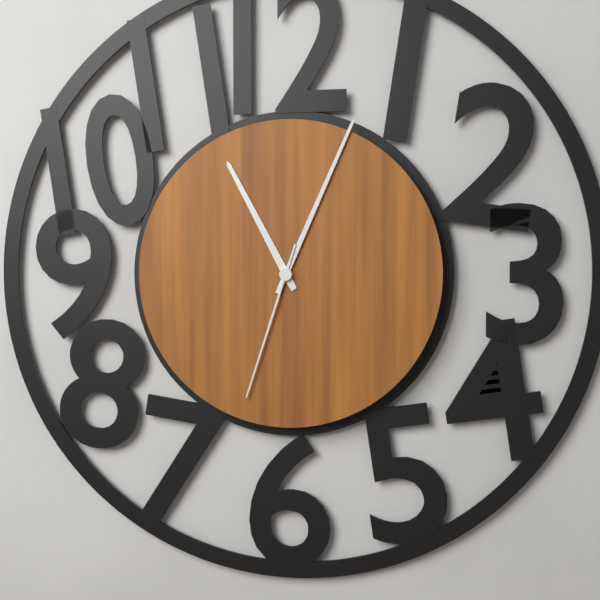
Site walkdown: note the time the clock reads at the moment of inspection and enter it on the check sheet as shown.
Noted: 11:04:33
